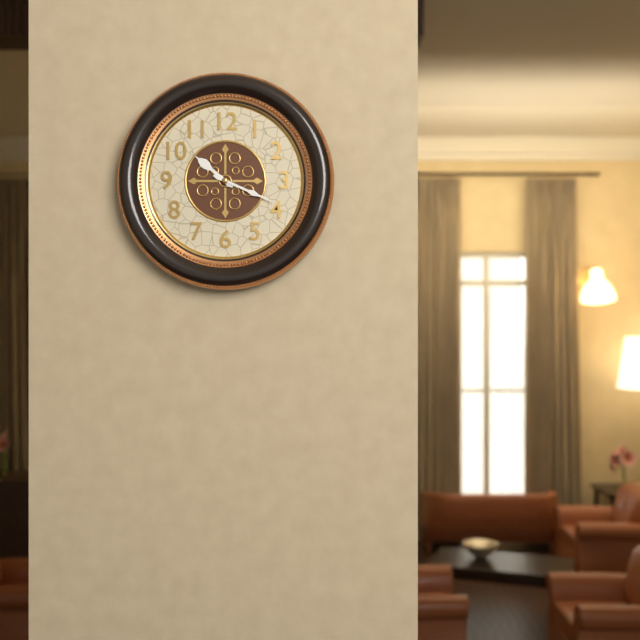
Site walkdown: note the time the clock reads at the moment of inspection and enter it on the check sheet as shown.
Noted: 10:19
